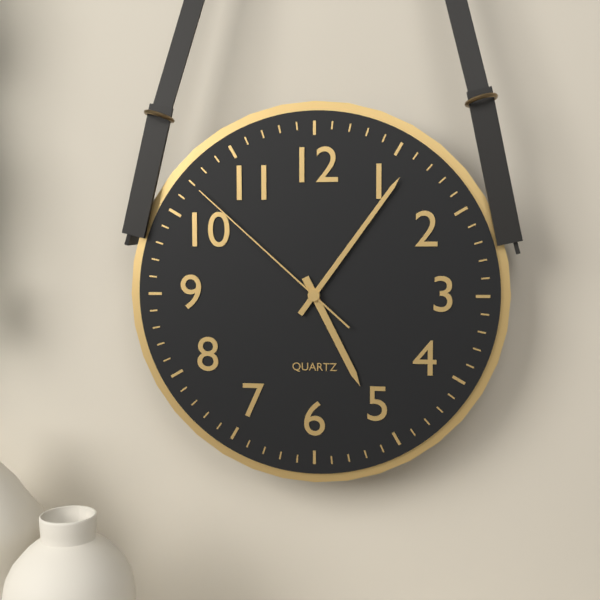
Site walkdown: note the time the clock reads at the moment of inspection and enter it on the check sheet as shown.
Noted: 5:06:52
